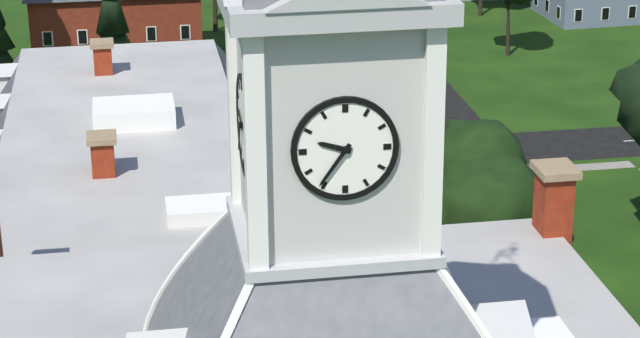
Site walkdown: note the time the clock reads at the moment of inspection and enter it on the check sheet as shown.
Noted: 9:36
